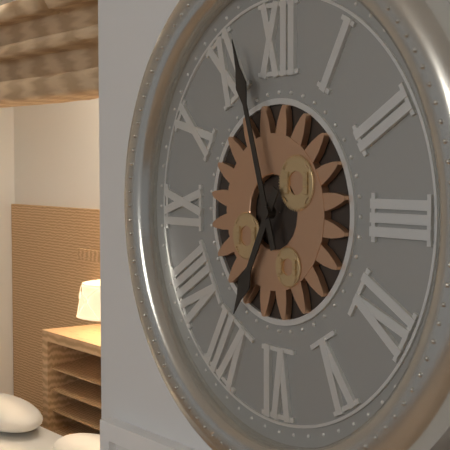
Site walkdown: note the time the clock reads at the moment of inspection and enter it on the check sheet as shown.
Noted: 6:57
